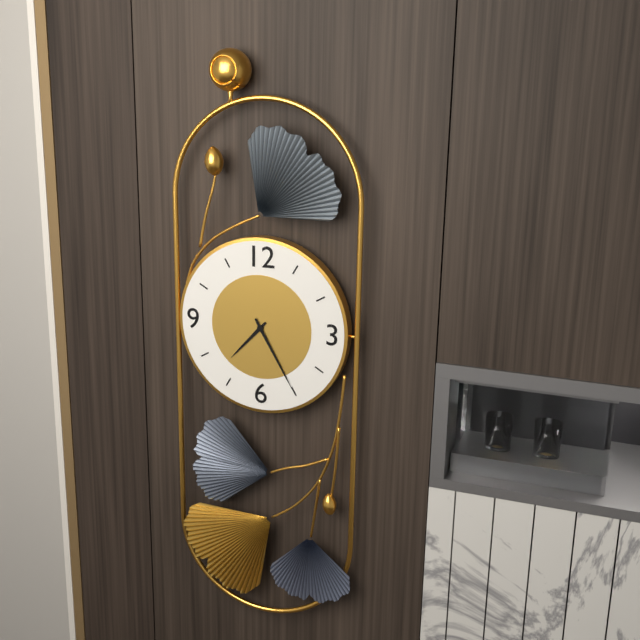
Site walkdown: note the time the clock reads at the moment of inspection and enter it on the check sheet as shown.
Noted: 7:25
